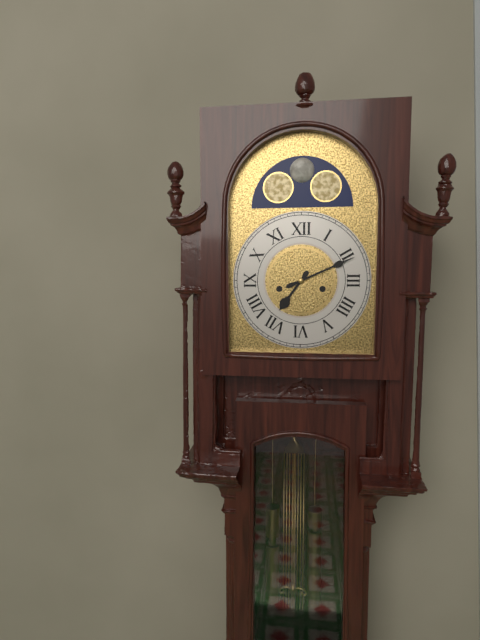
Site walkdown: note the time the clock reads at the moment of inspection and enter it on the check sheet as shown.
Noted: 7:11
